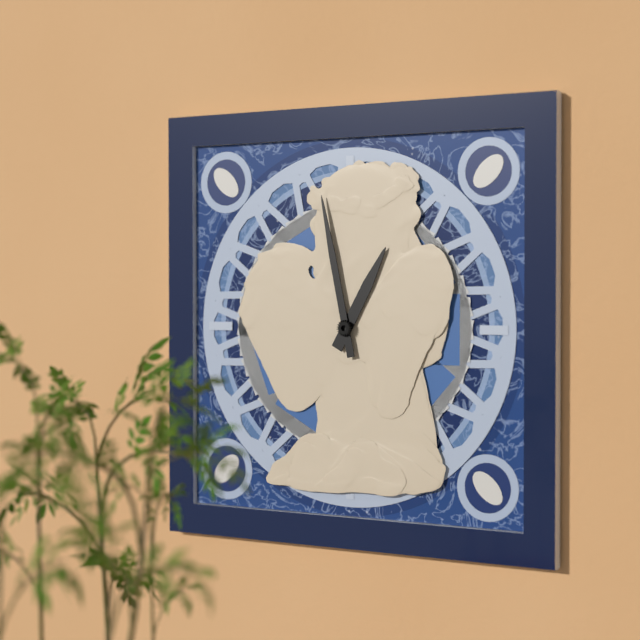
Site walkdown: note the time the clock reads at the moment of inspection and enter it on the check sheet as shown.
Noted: 12:58
